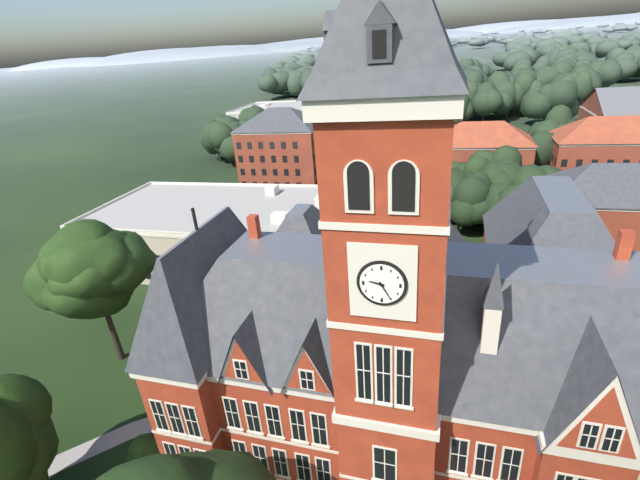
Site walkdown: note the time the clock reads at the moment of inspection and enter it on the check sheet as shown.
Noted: 9:25
